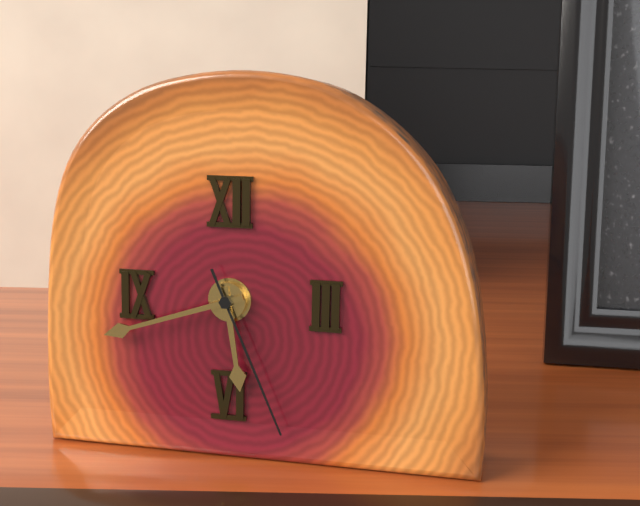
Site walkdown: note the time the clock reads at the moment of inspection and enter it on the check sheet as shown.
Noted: 5:42:26
